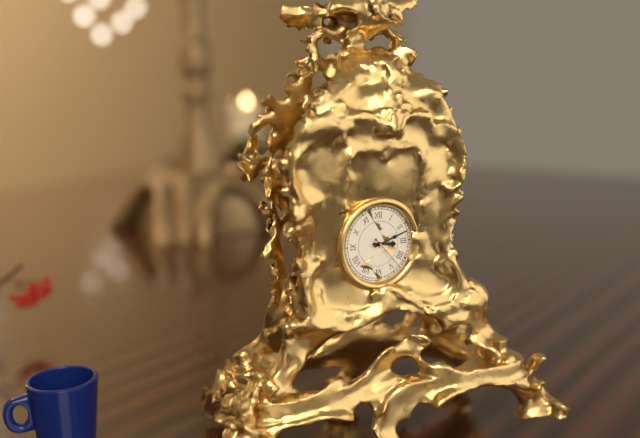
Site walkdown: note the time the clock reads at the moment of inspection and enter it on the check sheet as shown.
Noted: 3:12
